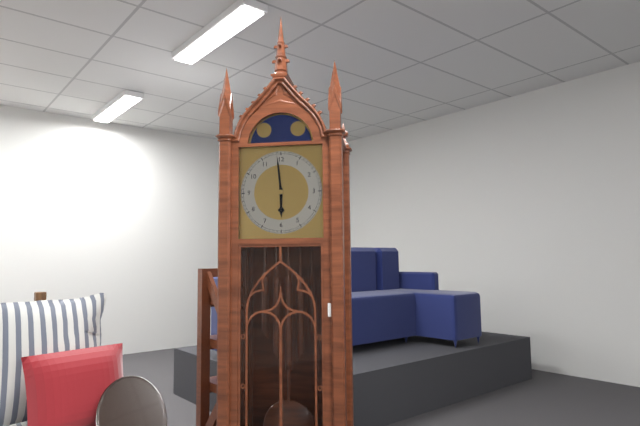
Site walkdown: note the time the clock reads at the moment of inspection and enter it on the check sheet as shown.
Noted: 5:59
